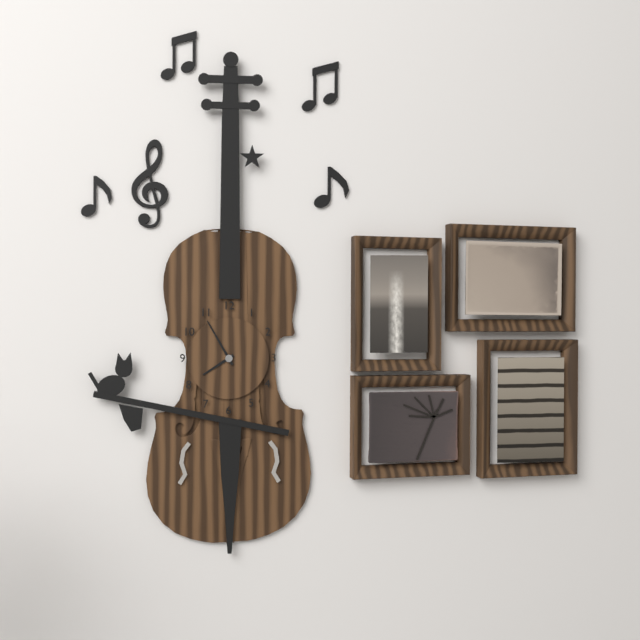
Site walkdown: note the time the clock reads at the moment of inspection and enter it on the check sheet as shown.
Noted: 7:55
